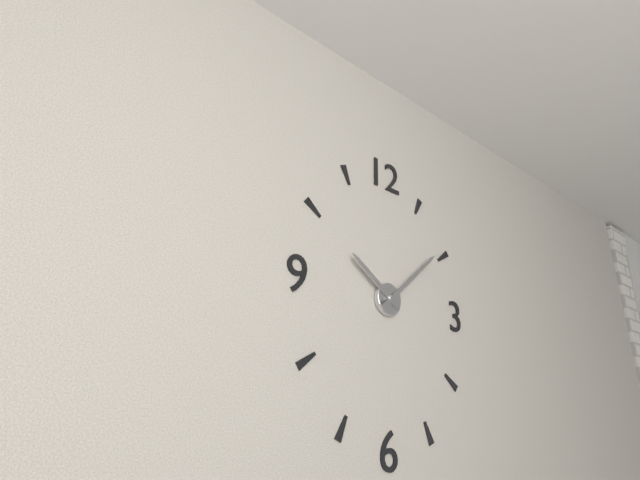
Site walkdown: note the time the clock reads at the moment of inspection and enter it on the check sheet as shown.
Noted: 10:08
